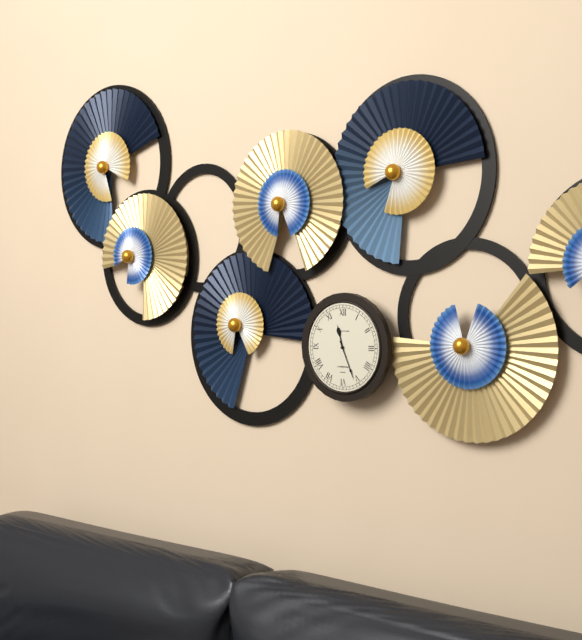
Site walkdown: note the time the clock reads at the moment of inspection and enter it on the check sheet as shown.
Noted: 11:26
